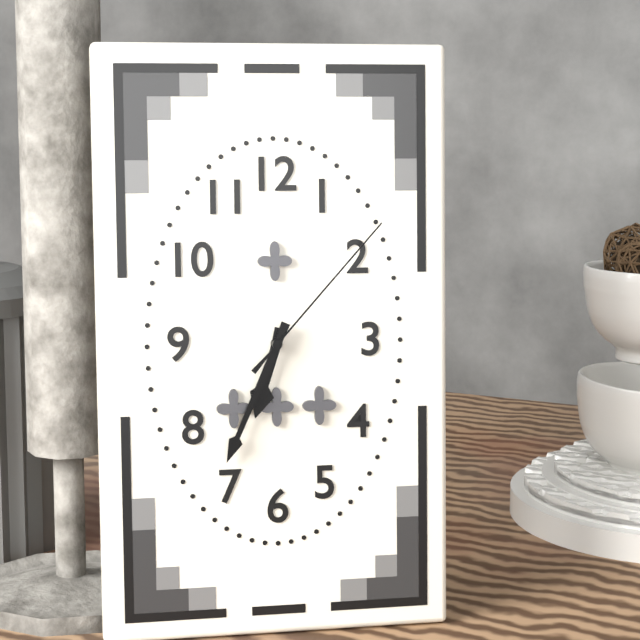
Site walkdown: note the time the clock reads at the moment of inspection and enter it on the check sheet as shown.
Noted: 6:34:07
